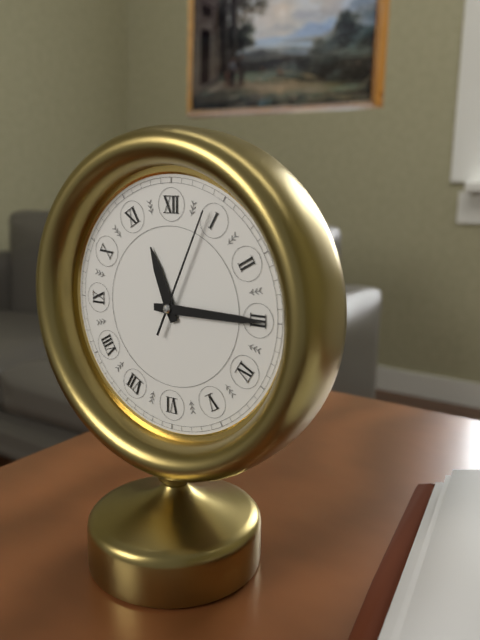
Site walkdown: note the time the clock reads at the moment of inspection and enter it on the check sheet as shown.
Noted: 11:15:04
